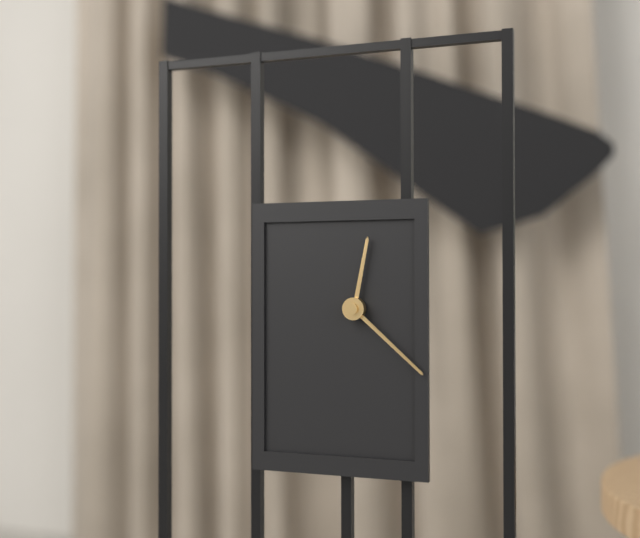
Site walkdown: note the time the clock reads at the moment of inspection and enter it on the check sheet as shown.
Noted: 12:22
